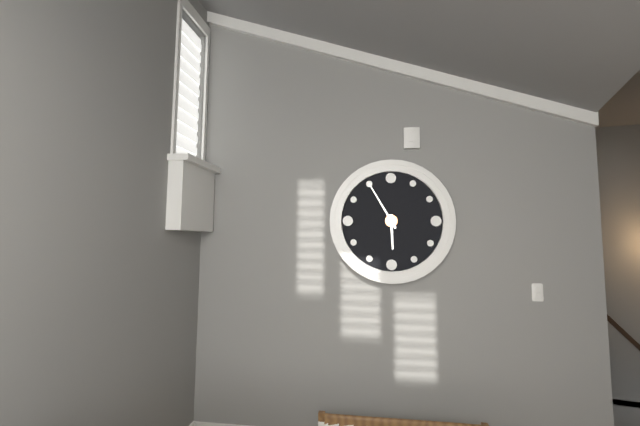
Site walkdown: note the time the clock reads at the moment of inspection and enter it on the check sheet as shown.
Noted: 5:55
